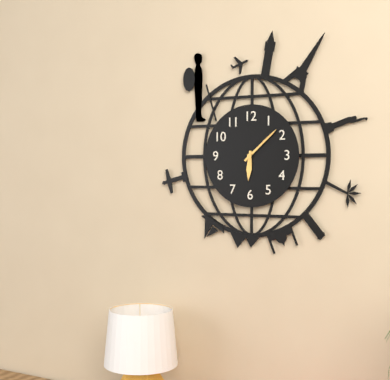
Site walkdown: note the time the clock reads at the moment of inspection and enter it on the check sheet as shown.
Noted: 6:08
